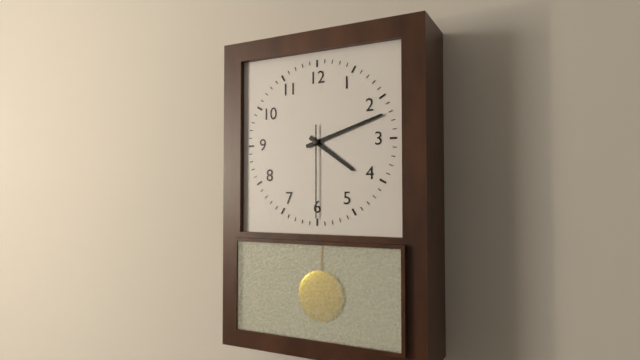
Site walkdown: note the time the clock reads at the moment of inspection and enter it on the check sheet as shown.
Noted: 4:12:30
